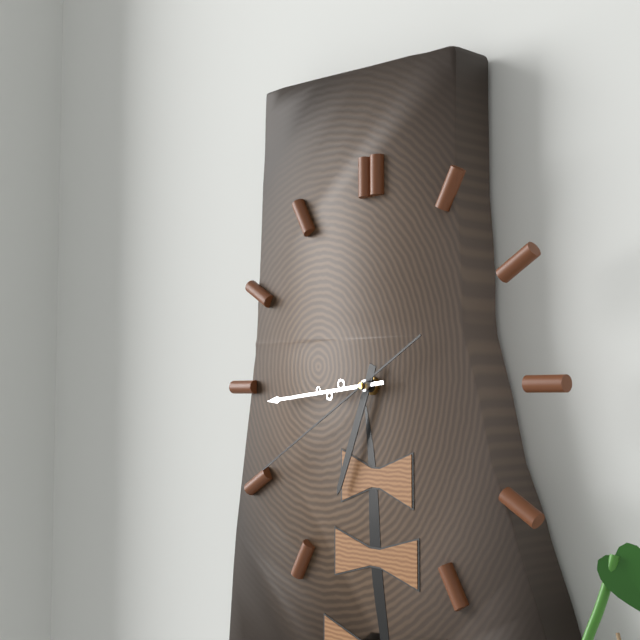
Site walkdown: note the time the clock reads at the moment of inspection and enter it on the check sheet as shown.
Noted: 6:44:40
